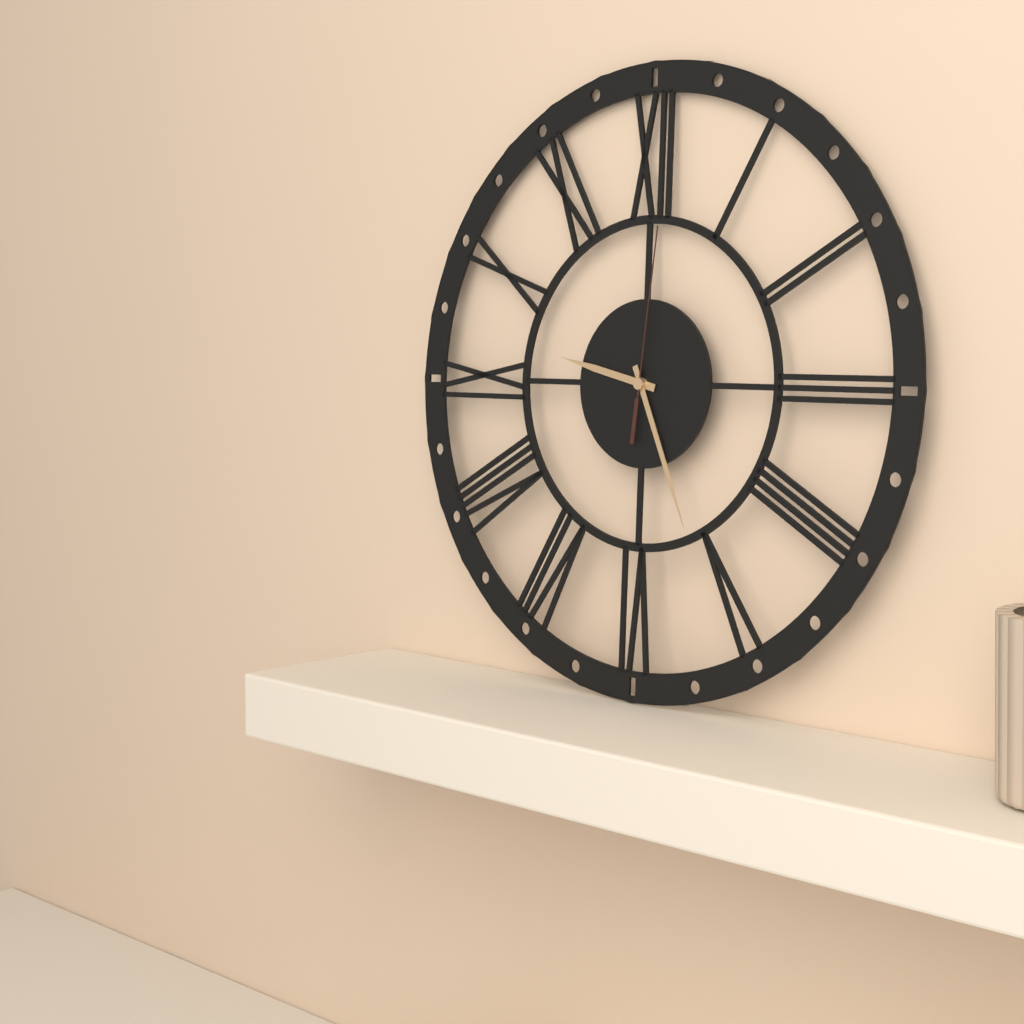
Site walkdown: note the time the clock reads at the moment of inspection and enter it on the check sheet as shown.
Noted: 9:26:01
